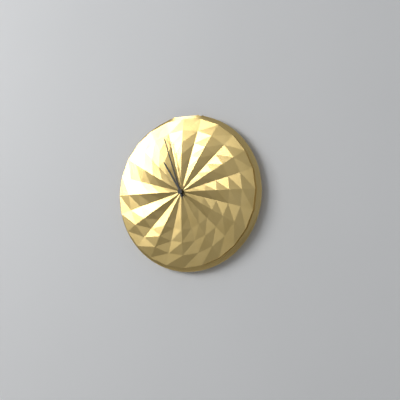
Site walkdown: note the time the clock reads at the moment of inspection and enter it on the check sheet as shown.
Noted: 10:57
